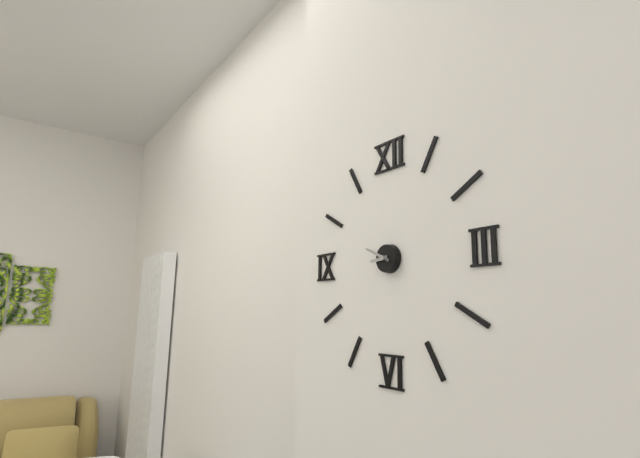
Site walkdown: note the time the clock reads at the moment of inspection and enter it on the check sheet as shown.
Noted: 8:49
